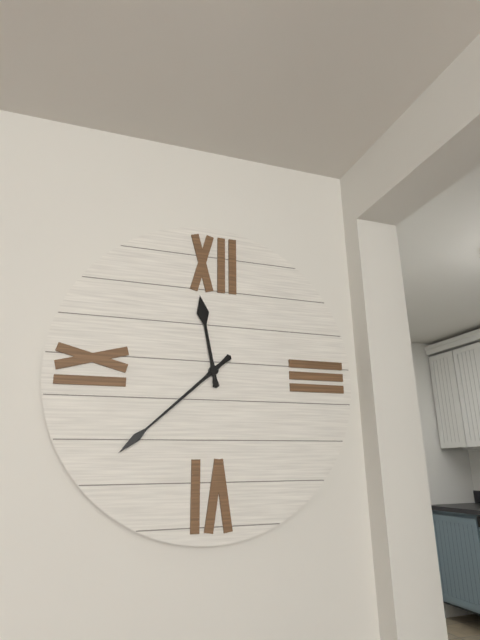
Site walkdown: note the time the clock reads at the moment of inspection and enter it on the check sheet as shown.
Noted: 11:38
